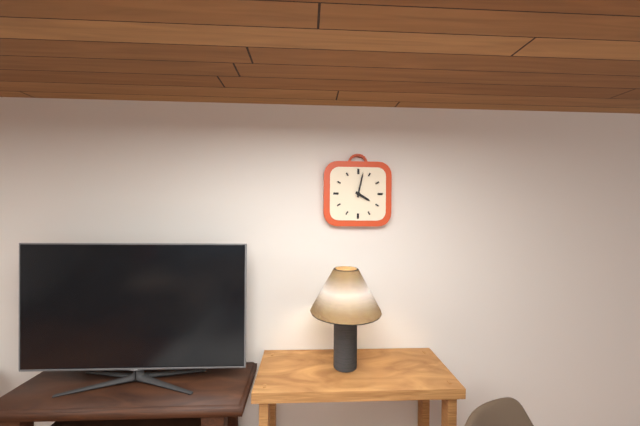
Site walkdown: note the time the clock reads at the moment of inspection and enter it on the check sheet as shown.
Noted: 4:02
